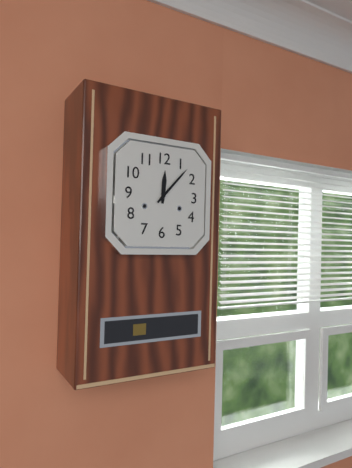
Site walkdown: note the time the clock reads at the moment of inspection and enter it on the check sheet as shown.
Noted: 12:07
